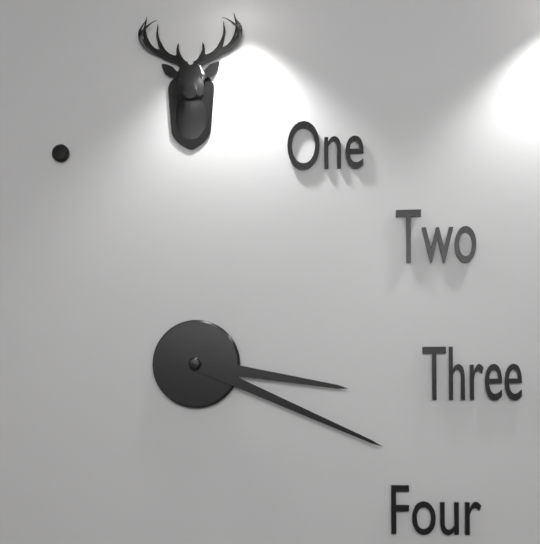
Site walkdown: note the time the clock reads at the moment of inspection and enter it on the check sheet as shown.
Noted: 3:19
